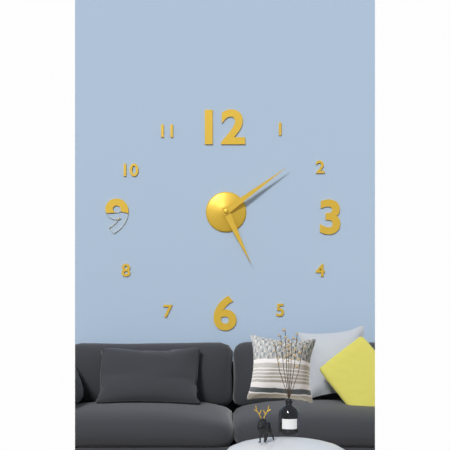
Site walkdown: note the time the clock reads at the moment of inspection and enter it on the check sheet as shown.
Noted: 5:09
